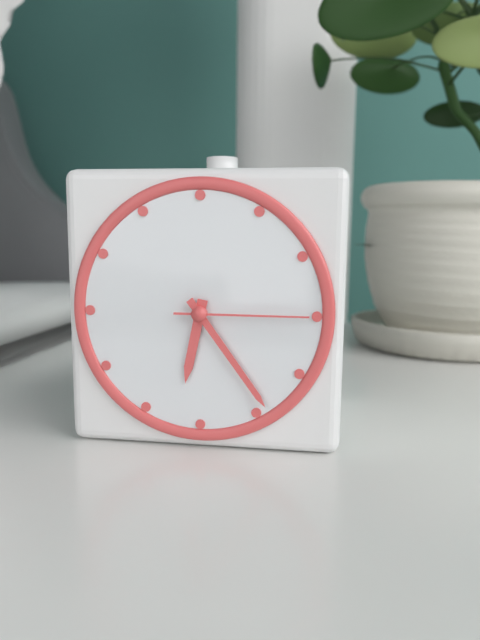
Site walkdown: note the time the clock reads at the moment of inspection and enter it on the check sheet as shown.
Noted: 6:24:15
